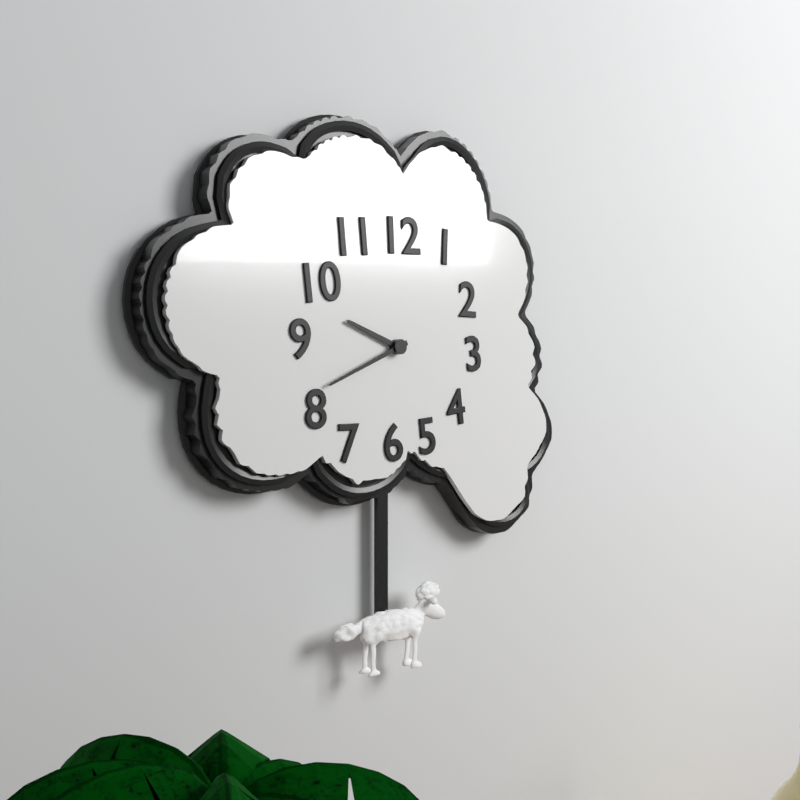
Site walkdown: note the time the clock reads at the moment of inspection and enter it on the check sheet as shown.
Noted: 9:41
